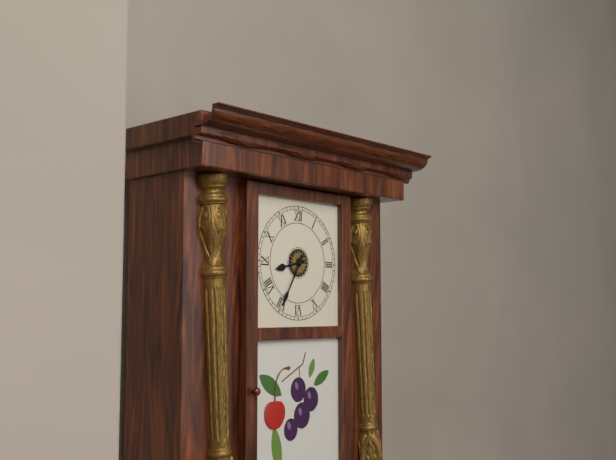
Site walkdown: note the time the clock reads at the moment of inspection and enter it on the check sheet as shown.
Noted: 8:35
